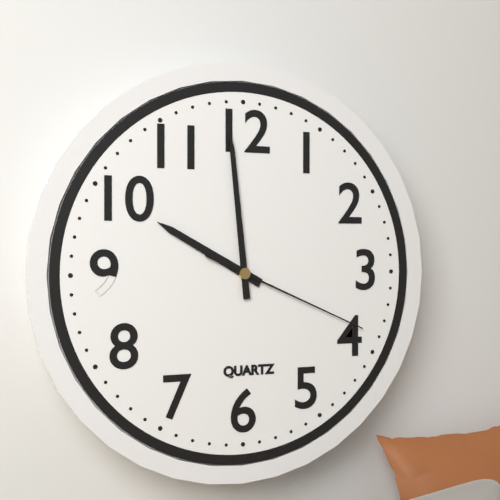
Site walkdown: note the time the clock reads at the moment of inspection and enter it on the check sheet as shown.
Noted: 9:59:19
